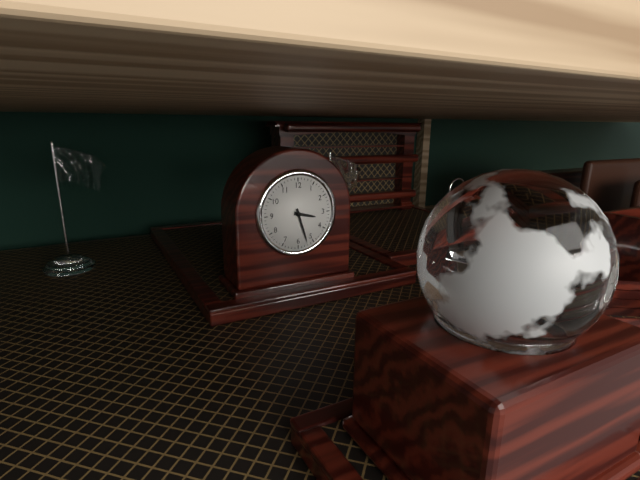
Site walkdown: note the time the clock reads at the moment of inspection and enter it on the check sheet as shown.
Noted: 3:27
